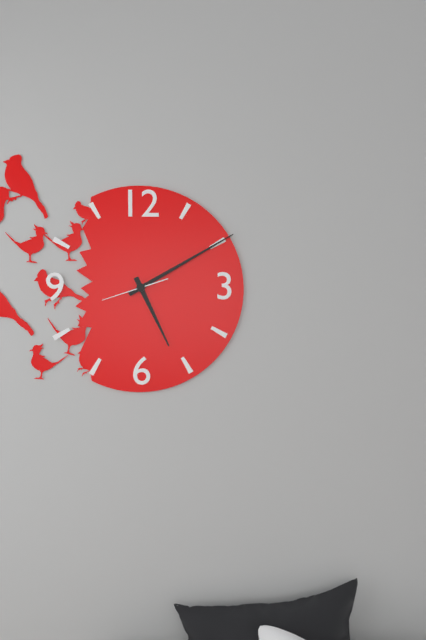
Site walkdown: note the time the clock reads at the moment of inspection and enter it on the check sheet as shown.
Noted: 5:10:42
